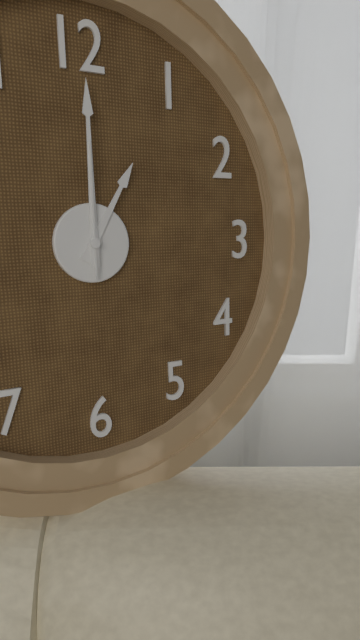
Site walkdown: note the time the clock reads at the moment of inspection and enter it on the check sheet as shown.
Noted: 1:00:00
